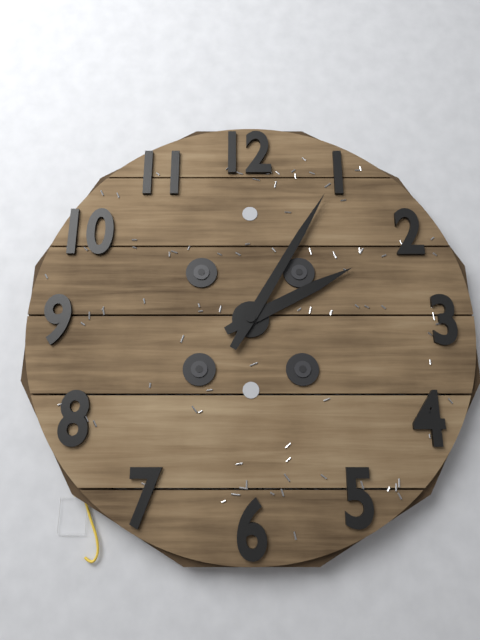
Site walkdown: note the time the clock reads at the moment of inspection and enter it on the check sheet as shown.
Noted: 2:05
